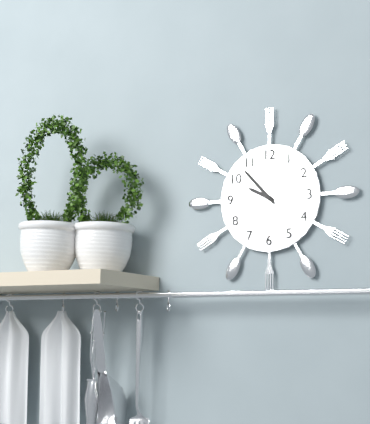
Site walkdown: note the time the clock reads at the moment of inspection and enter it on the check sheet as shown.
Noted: 9:53
